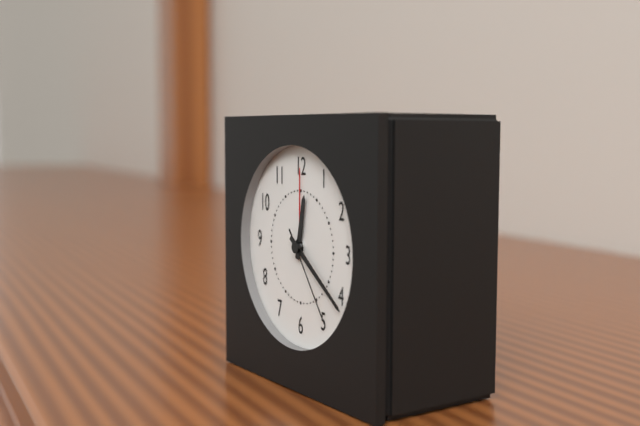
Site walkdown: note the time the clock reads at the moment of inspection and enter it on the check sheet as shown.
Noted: 12:21:24
